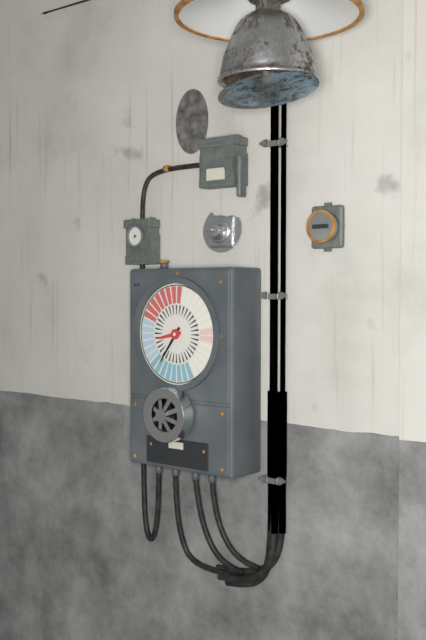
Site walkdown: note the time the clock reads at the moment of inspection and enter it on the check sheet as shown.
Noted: 8:36
